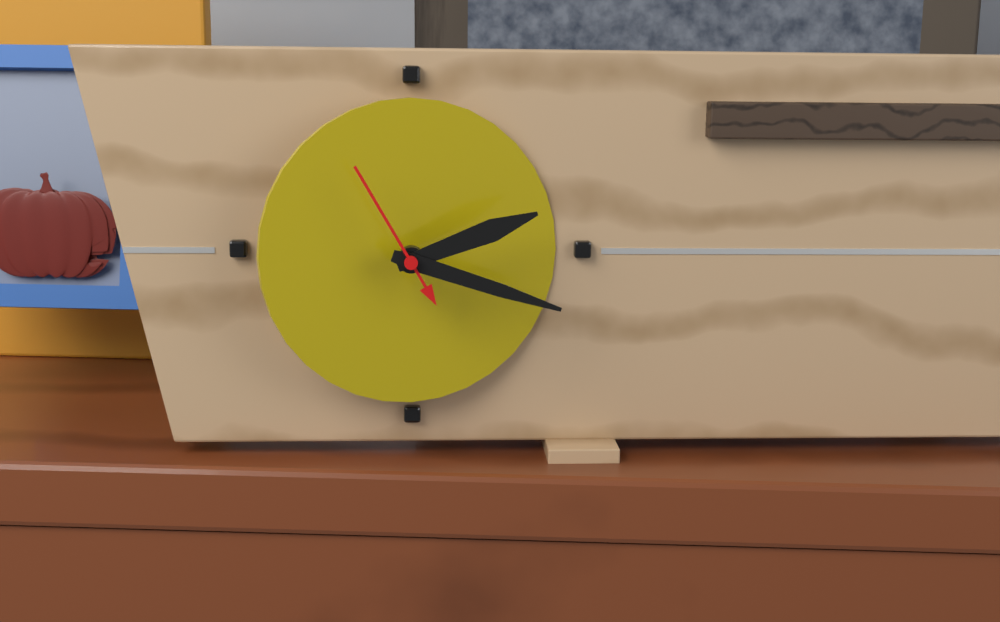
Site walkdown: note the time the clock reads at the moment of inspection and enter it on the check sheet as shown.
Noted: 2:18:55
